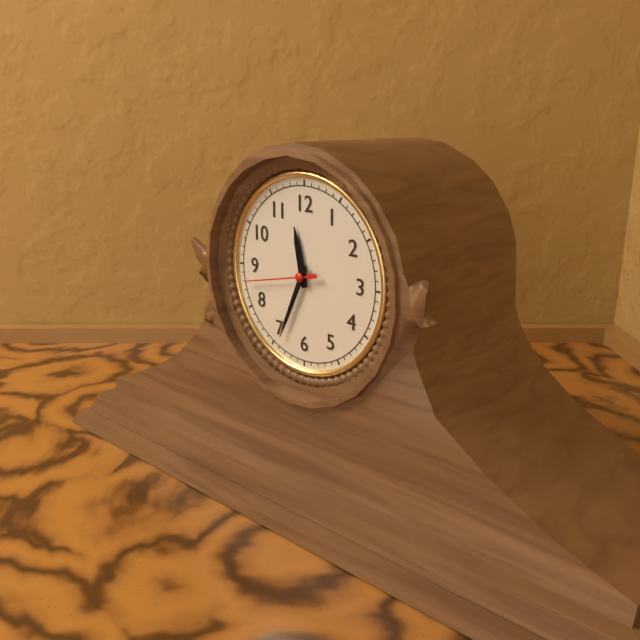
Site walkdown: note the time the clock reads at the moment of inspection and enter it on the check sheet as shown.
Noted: 11:34:43
